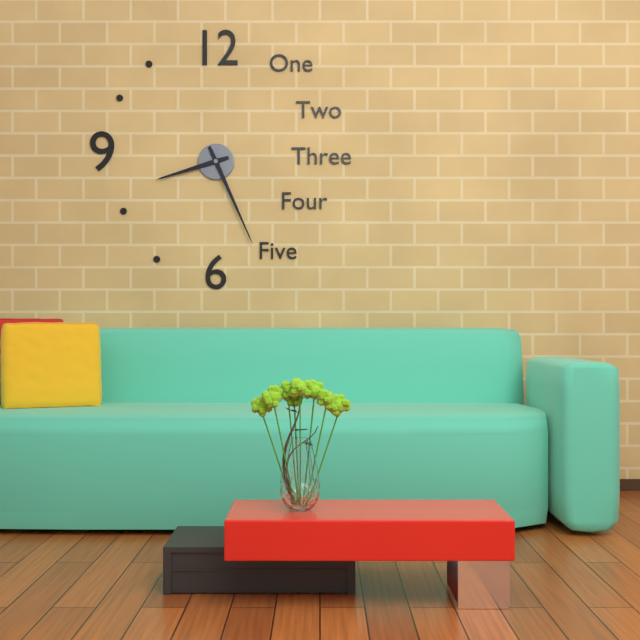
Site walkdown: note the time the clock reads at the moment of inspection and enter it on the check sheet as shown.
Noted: 8:26
